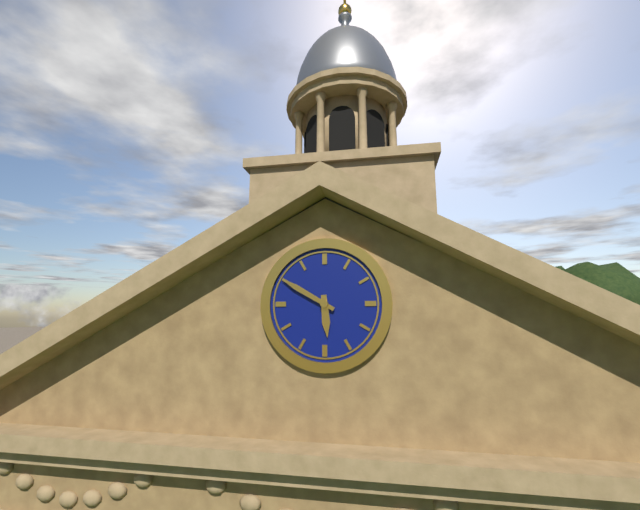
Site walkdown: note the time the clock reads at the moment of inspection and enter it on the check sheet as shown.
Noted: 5:50
